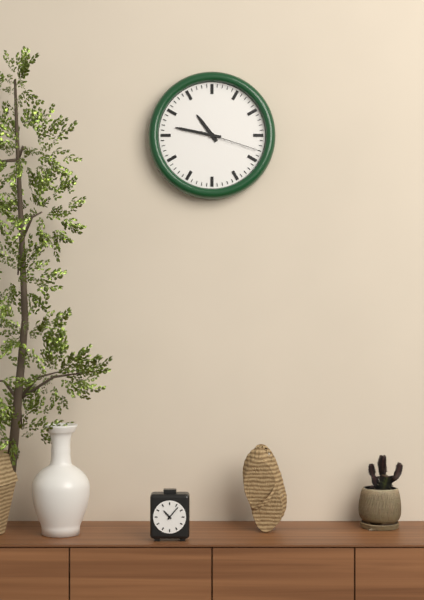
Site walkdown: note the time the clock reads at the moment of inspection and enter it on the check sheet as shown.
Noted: 10:47:18
